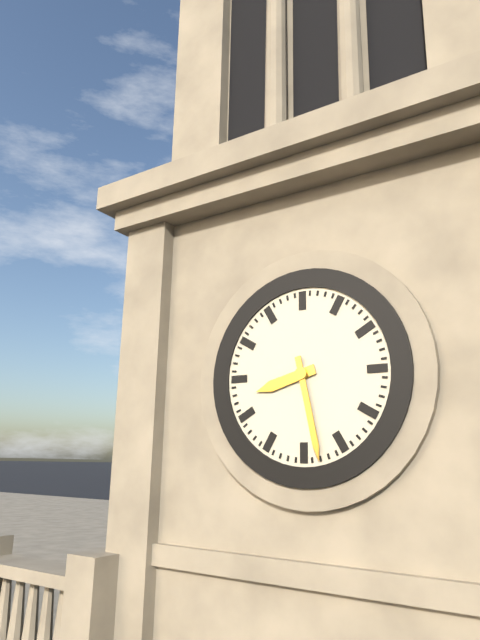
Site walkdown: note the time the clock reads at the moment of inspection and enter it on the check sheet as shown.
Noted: 8:28
